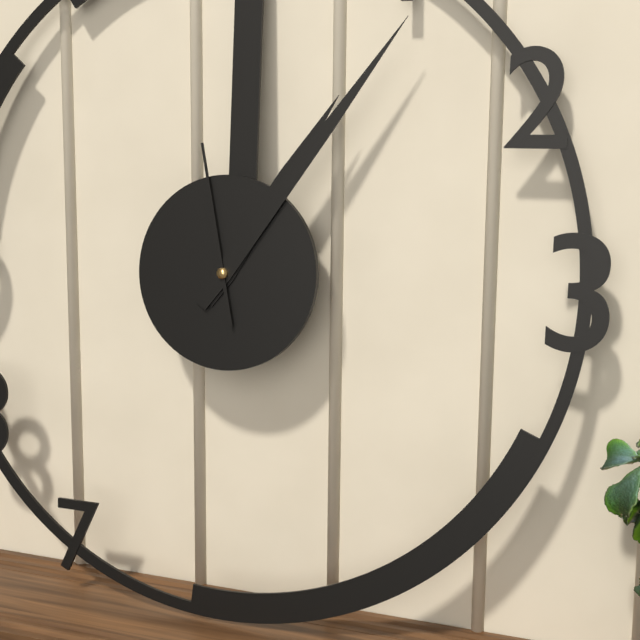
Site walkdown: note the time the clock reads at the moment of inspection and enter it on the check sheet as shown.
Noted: 1:06:58
